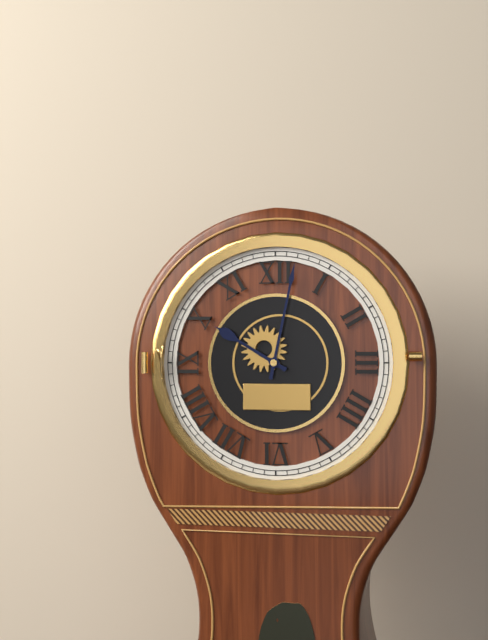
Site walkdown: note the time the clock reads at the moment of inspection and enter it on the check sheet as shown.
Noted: 10:02
